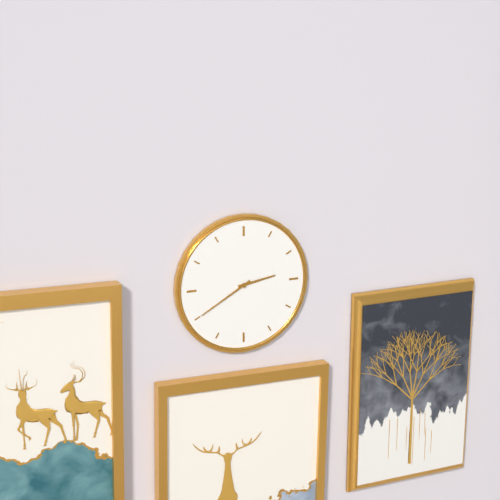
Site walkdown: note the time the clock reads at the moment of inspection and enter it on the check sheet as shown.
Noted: 2:40
